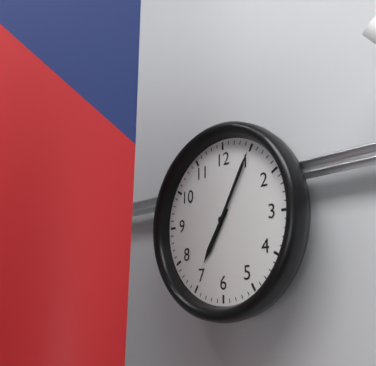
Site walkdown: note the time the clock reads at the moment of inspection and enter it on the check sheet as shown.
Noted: 7:05
